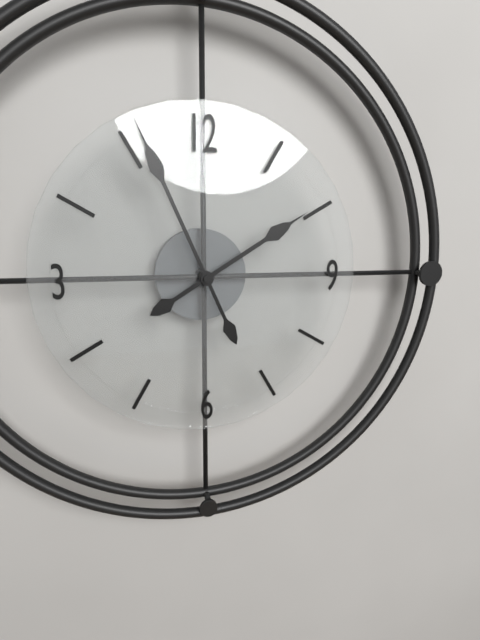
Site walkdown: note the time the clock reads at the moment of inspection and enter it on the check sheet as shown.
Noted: 1:56
